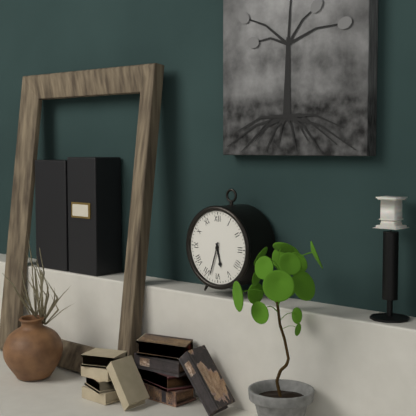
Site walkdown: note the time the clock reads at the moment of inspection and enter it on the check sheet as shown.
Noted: 5:33
